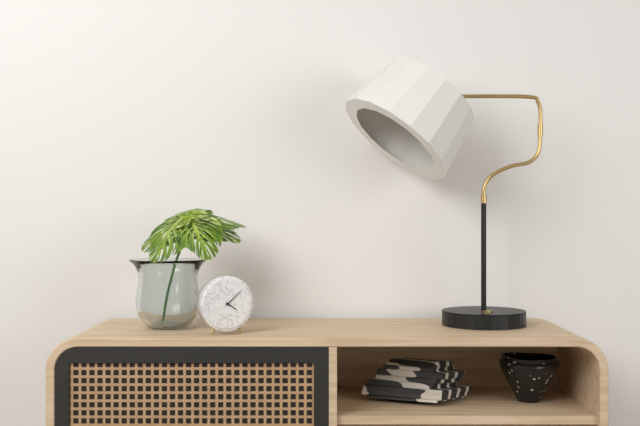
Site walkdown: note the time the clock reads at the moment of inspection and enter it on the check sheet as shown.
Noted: 4:08
